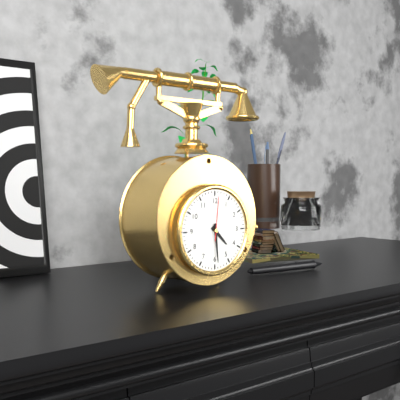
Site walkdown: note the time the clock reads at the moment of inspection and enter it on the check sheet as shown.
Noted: 4:29
